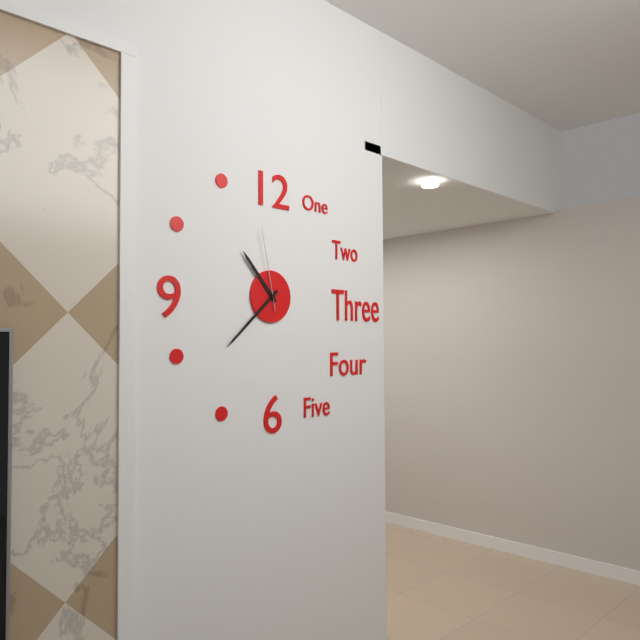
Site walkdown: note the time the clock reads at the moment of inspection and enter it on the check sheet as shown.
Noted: 10:38:58
